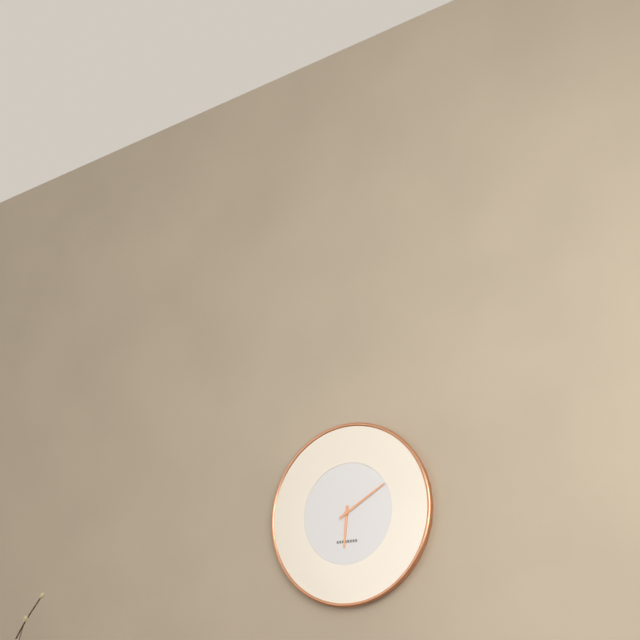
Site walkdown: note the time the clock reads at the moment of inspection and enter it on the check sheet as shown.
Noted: 6:10
